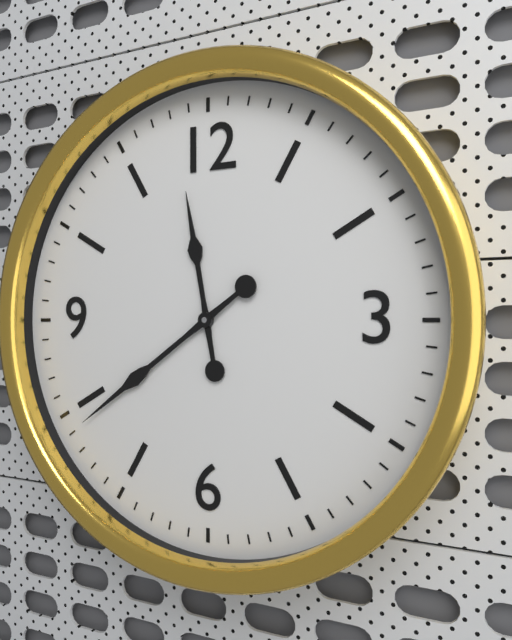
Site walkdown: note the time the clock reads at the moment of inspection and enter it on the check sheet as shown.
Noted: 11:39
